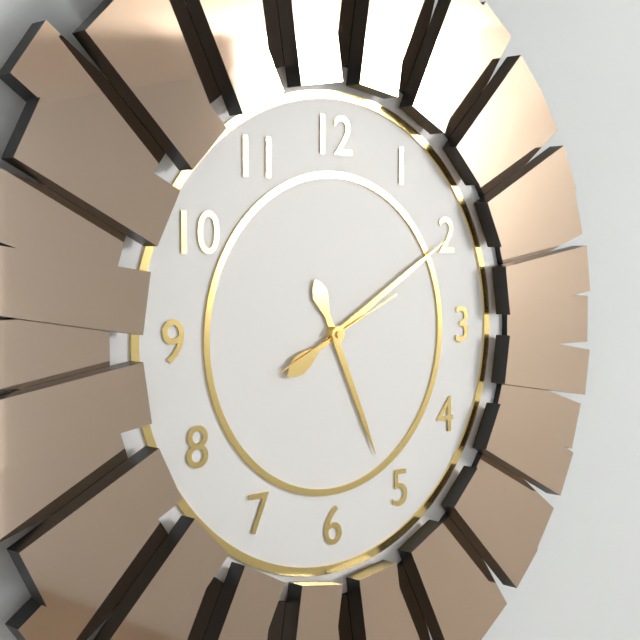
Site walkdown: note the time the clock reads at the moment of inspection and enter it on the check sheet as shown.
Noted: 5:10:11
